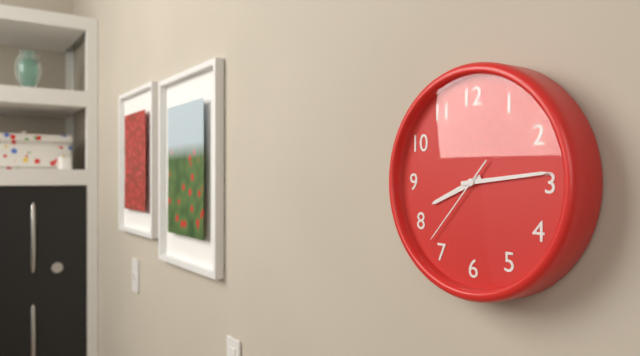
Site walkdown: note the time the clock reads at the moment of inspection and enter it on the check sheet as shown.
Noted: 8:14:37
